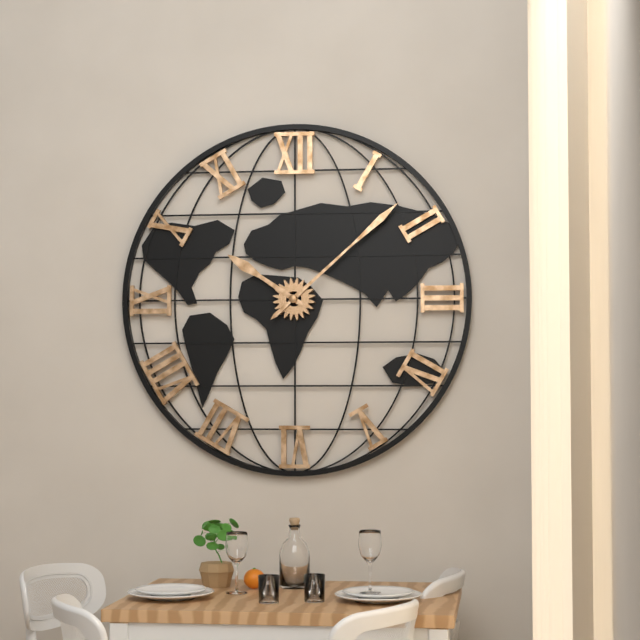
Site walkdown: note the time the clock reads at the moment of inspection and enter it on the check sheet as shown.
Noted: 10:08
